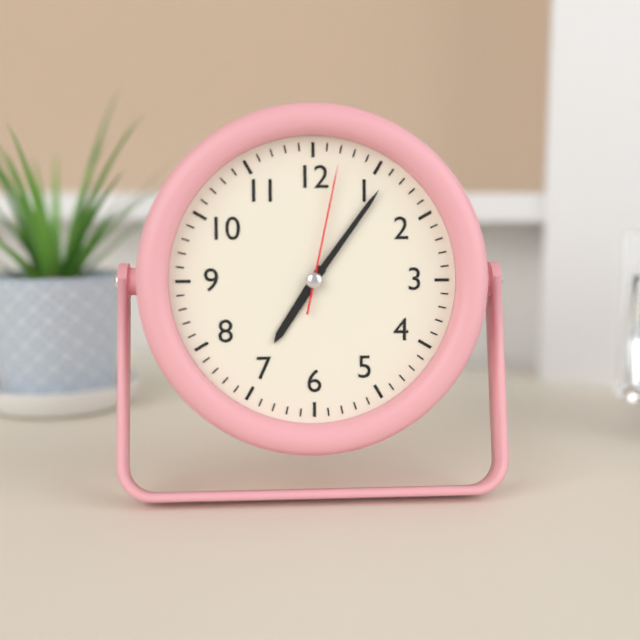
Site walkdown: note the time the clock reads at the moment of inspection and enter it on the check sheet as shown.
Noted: 7:06:02
